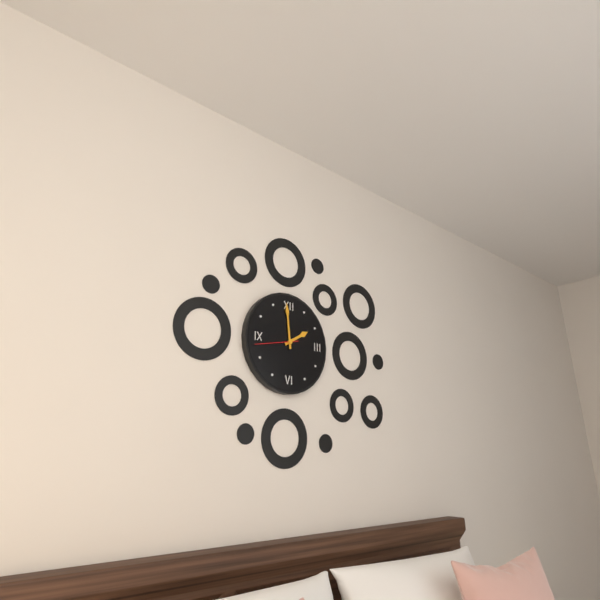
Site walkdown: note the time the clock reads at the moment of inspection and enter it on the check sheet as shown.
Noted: 1:59
